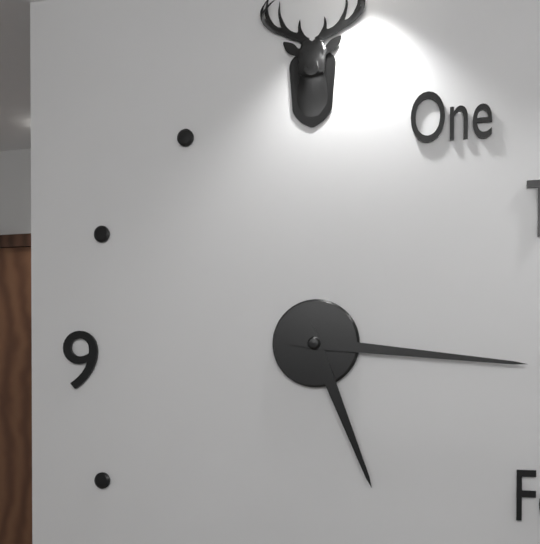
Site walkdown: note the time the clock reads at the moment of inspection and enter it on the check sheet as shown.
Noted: 5:16
